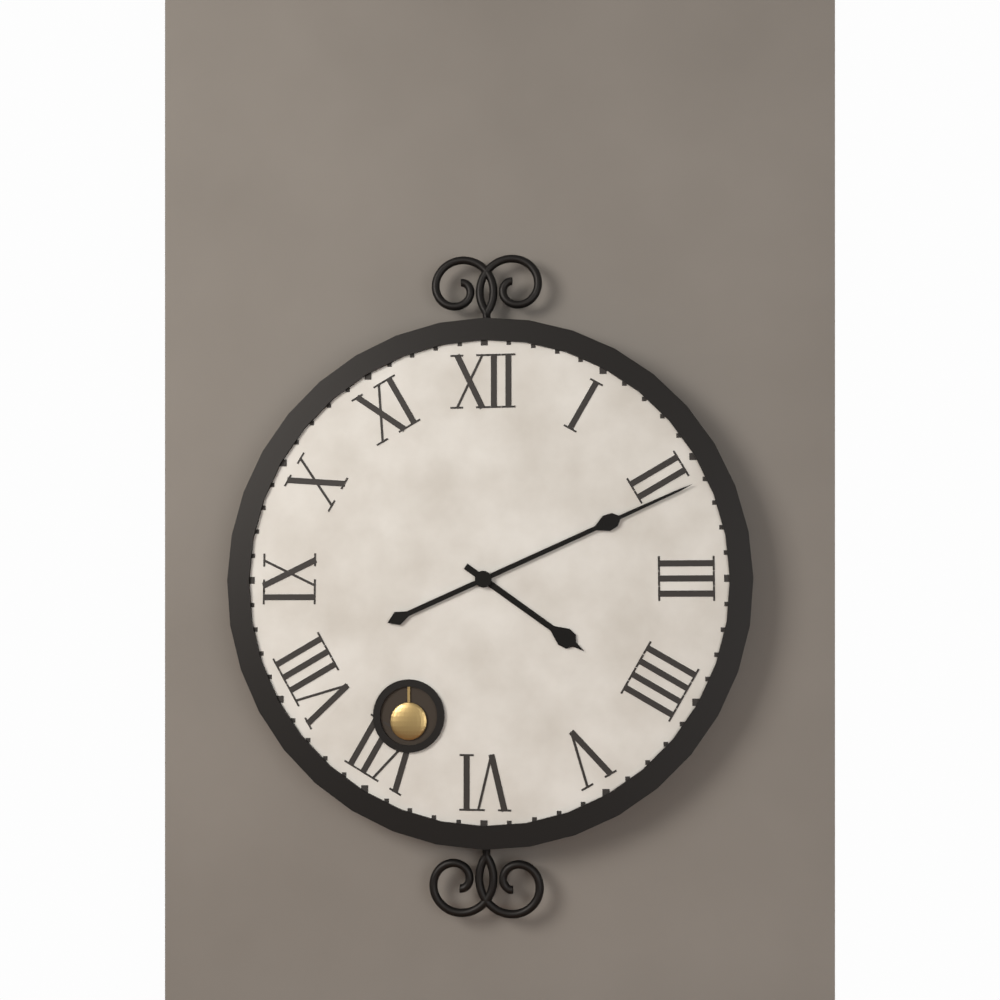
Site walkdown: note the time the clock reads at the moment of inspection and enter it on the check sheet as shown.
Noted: 4:11
